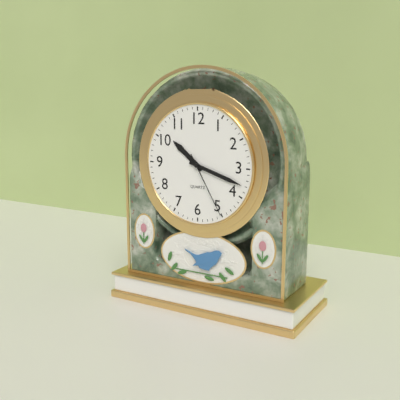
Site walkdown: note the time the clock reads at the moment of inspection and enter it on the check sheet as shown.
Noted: 10:18:25
